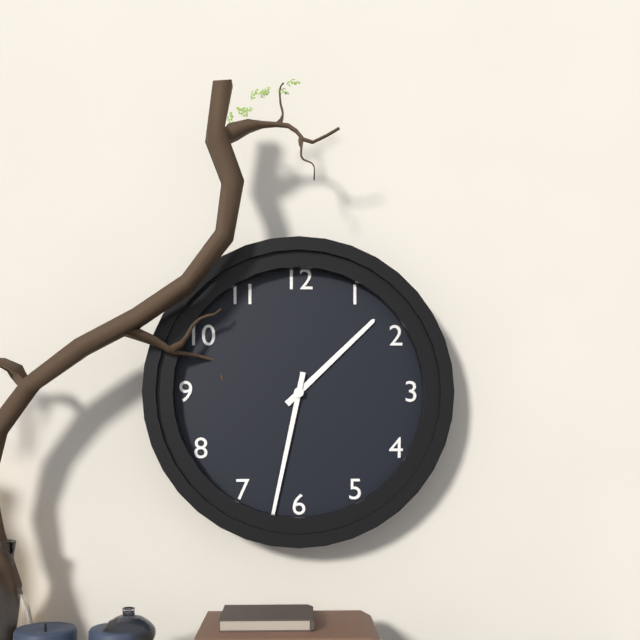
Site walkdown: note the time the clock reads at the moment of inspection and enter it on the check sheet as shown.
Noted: 1:32
